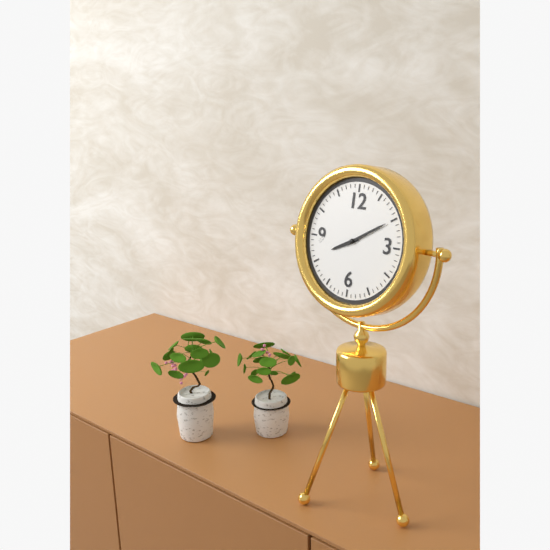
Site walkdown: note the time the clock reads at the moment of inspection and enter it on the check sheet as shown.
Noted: 8:10
